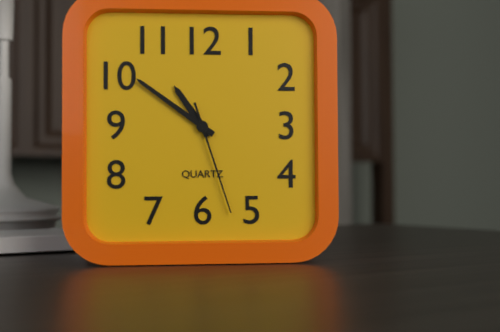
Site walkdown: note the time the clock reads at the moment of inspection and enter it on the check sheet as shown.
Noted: 10:51:27
